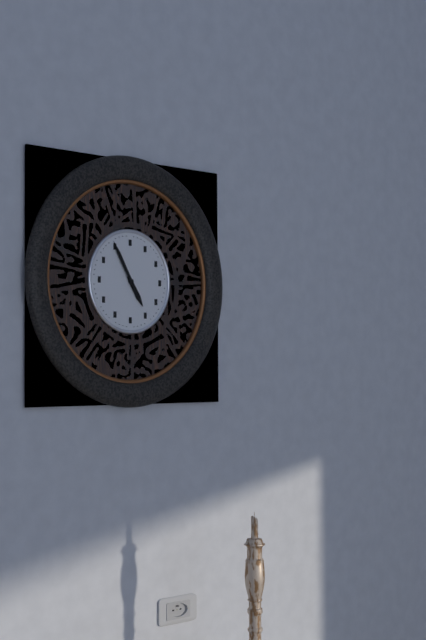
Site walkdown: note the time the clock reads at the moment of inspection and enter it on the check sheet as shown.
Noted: 4:55
